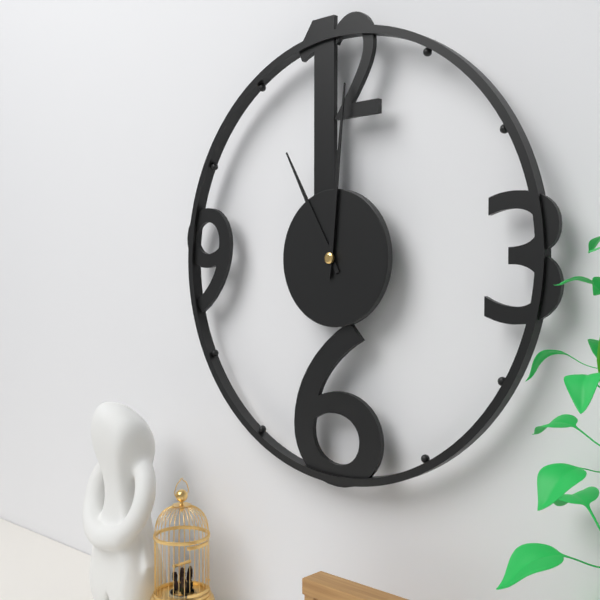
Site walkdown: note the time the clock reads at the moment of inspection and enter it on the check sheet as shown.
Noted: 11:01
